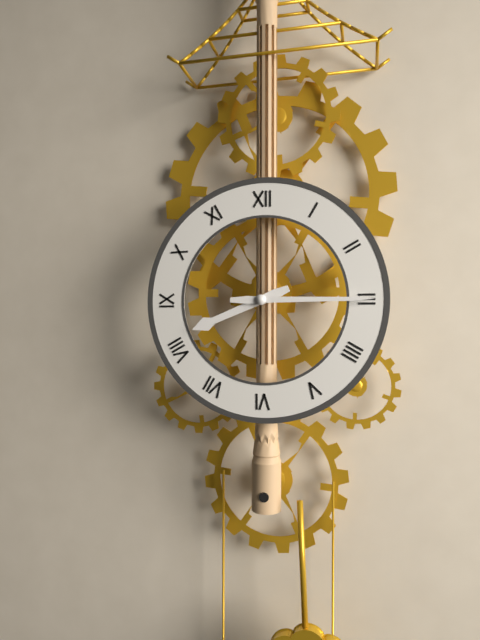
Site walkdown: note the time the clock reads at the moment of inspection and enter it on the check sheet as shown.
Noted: 8:15
